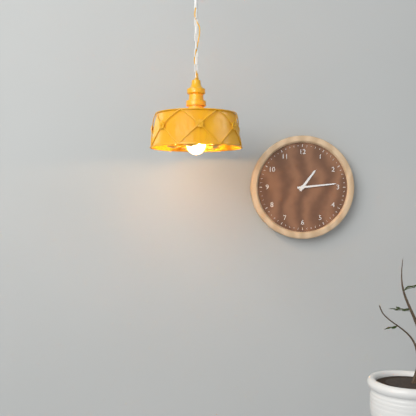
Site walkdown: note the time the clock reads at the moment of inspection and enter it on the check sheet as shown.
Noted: 1:14
